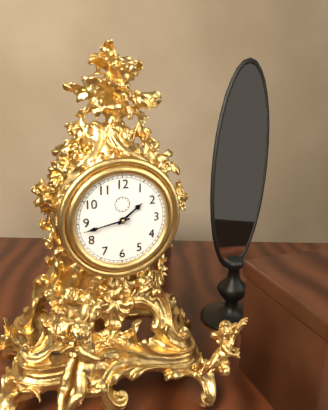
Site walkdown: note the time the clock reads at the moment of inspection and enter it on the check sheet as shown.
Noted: 1:43
